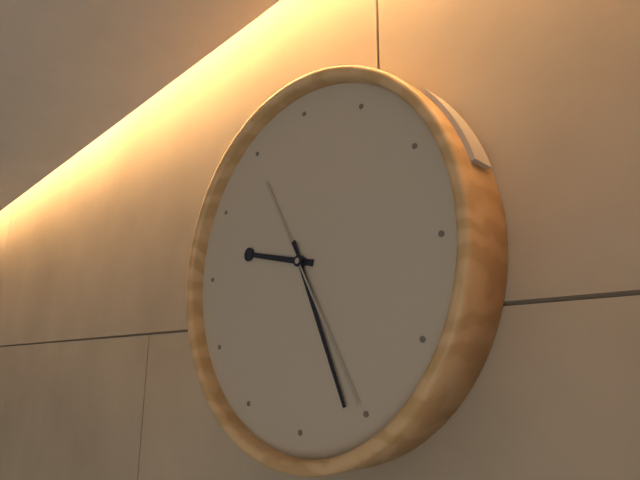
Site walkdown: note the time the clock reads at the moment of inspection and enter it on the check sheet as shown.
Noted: 9:26:25
